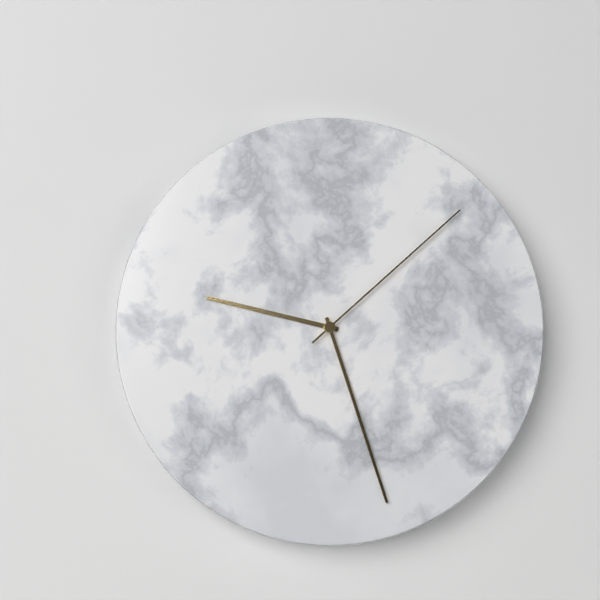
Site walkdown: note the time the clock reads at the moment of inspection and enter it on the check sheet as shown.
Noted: 9:27:08
